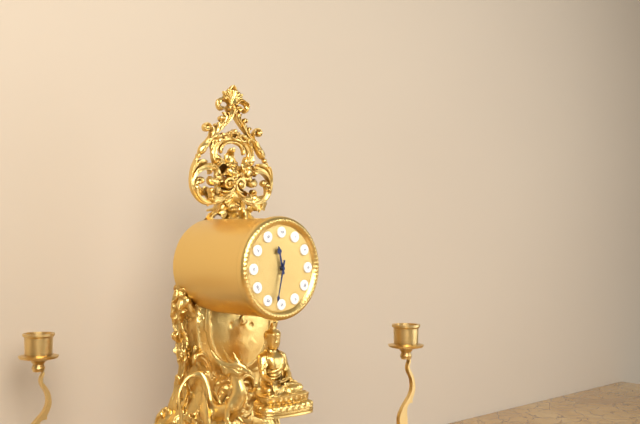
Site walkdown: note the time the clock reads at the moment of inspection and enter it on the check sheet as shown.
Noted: 11:32
